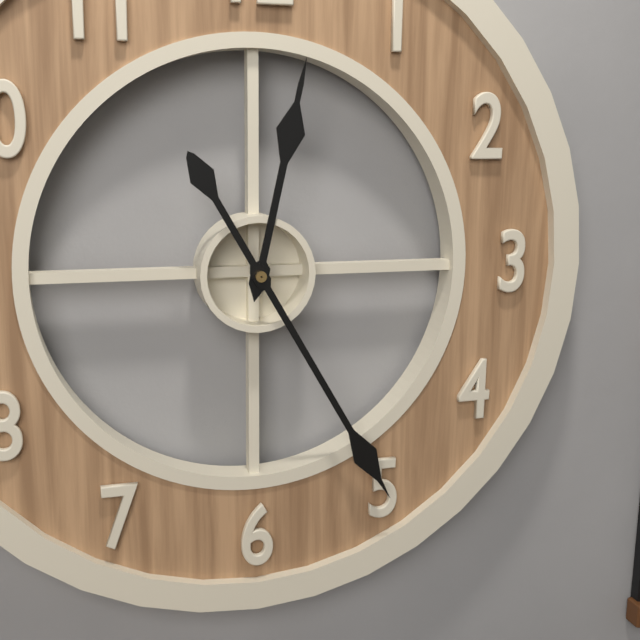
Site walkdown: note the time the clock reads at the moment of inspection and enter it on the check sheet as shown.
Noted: 12:25
